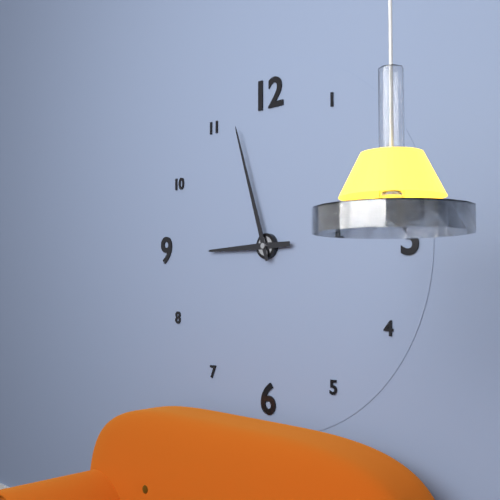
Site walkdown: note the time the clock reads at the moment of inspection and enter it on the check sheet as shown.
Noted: 8:57
